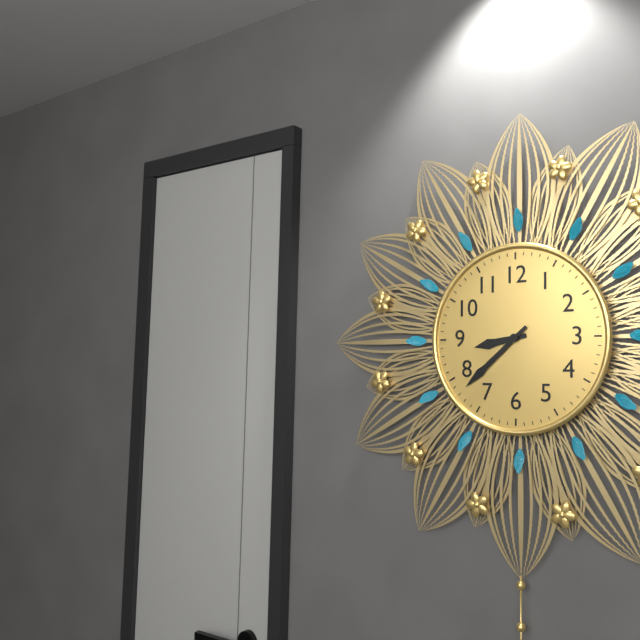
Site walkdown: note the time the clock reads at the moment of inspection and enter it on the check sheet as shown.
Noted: 8:38
